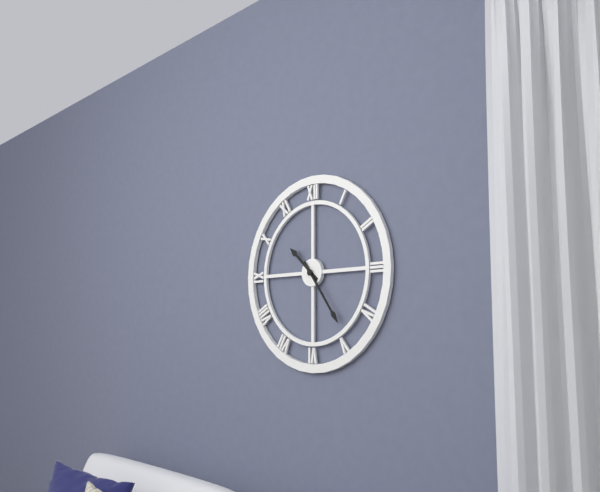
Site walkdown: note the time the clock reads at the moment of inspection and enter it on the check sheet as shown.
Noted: 10:24
